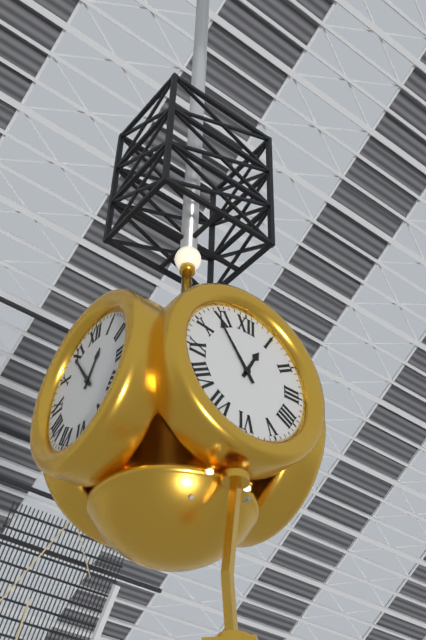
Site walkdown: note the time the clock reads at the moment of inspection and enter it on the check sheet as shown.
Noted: 12:54
